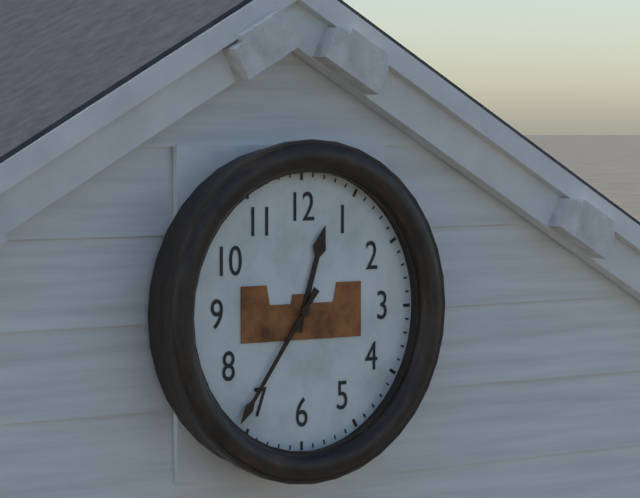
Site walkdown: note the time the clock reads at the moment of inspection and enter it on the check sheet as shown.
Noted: 12:36
